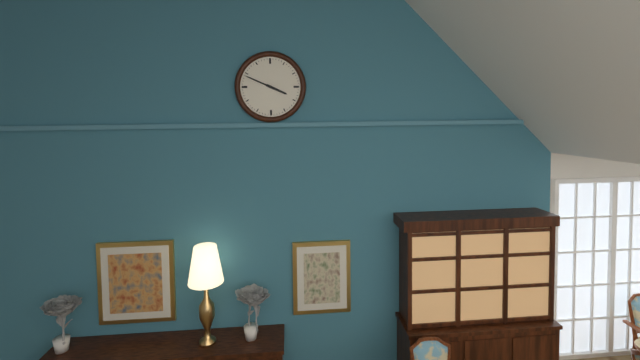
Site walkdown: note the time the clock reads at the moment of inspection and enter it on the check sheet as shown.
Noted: 3:49
